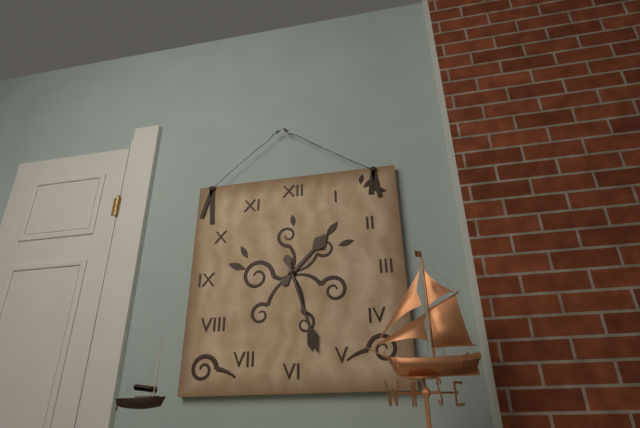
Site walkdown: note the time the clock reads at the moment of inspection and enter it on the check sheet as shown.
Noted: 1:27
